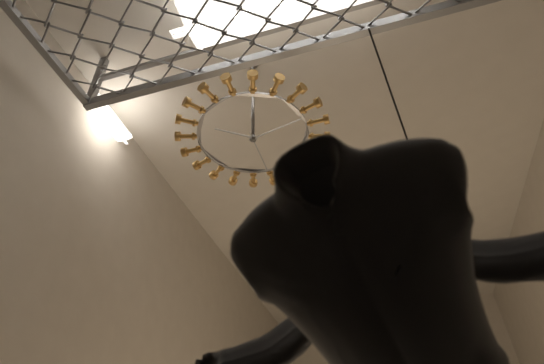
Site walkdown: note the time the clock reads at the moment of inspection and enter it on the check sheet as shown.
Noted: 10:13
